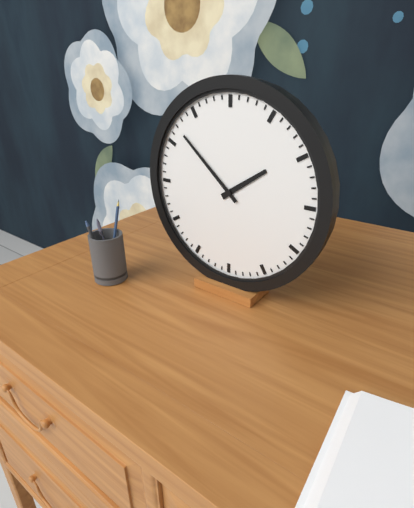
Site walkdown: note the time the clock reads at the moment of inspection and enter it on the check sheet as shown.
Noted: 1:52
